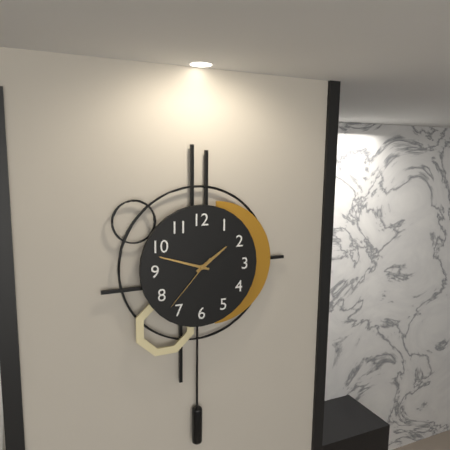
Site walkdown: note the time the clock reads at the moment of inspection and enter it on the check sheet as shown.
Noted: 1:48:37
